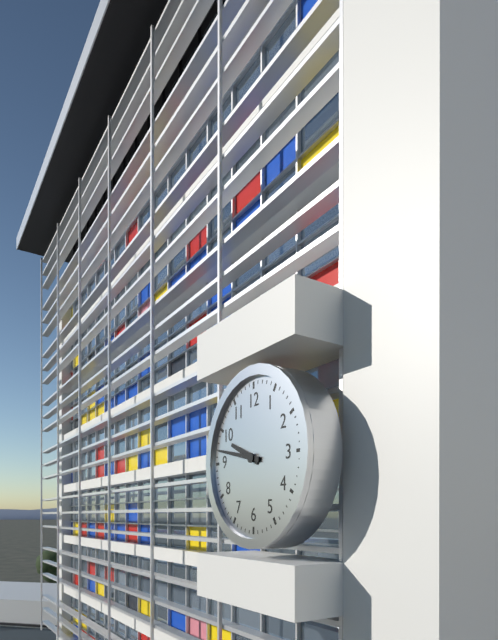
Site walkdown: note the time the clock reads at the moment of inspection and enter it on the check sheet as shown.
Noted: 9:47
